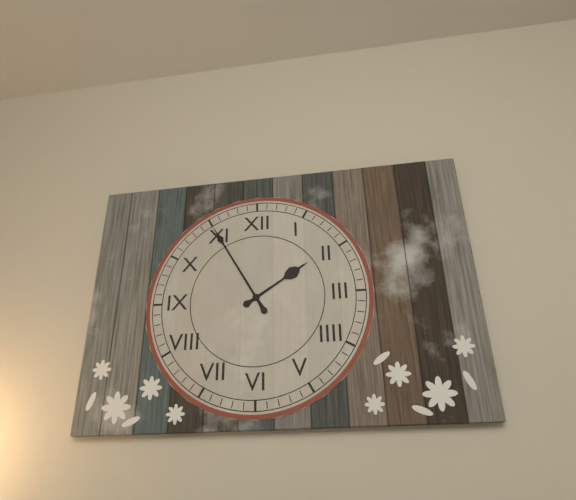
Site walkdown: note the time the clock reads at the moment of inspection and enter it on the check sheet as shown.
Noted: 1:55
